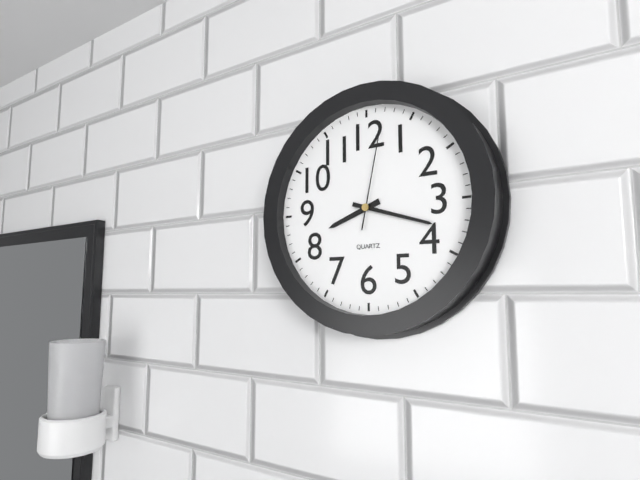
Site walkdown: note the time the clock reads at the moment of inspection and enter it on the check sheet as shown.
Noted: 8:18:02
